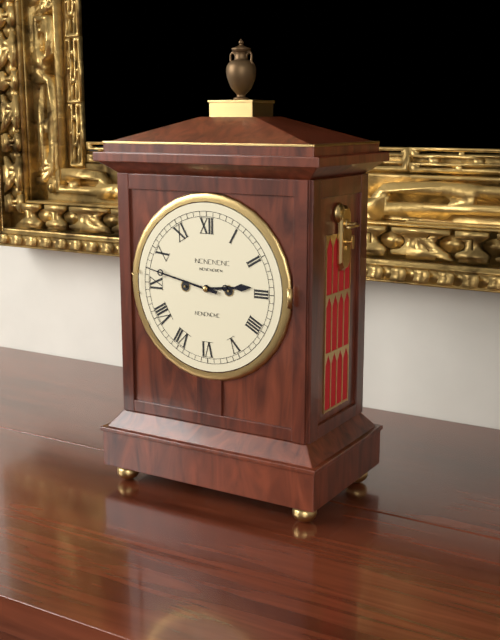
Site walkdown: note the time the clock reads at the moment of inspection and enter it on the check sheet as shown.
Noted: 2:47
